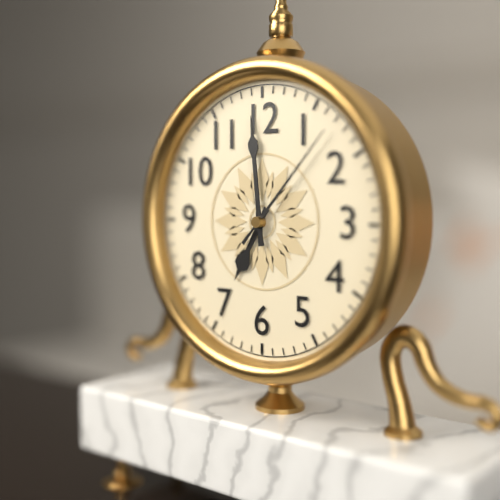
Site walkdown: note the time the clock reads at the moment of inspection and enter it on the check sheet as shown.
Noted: 6:59:07
